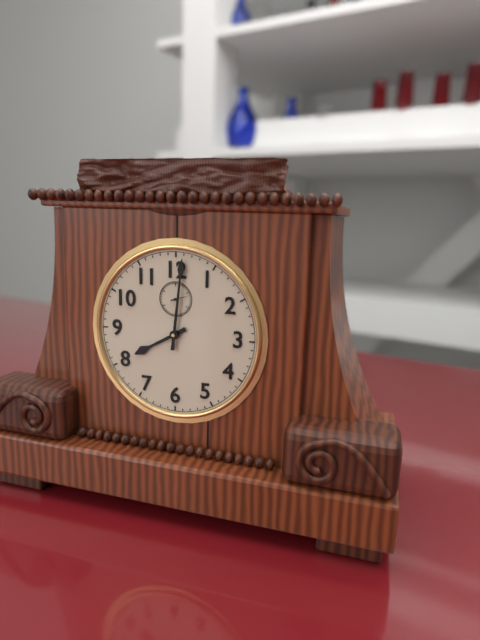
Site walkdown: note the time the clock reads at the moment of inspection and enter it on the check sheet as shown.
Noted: 8:01
